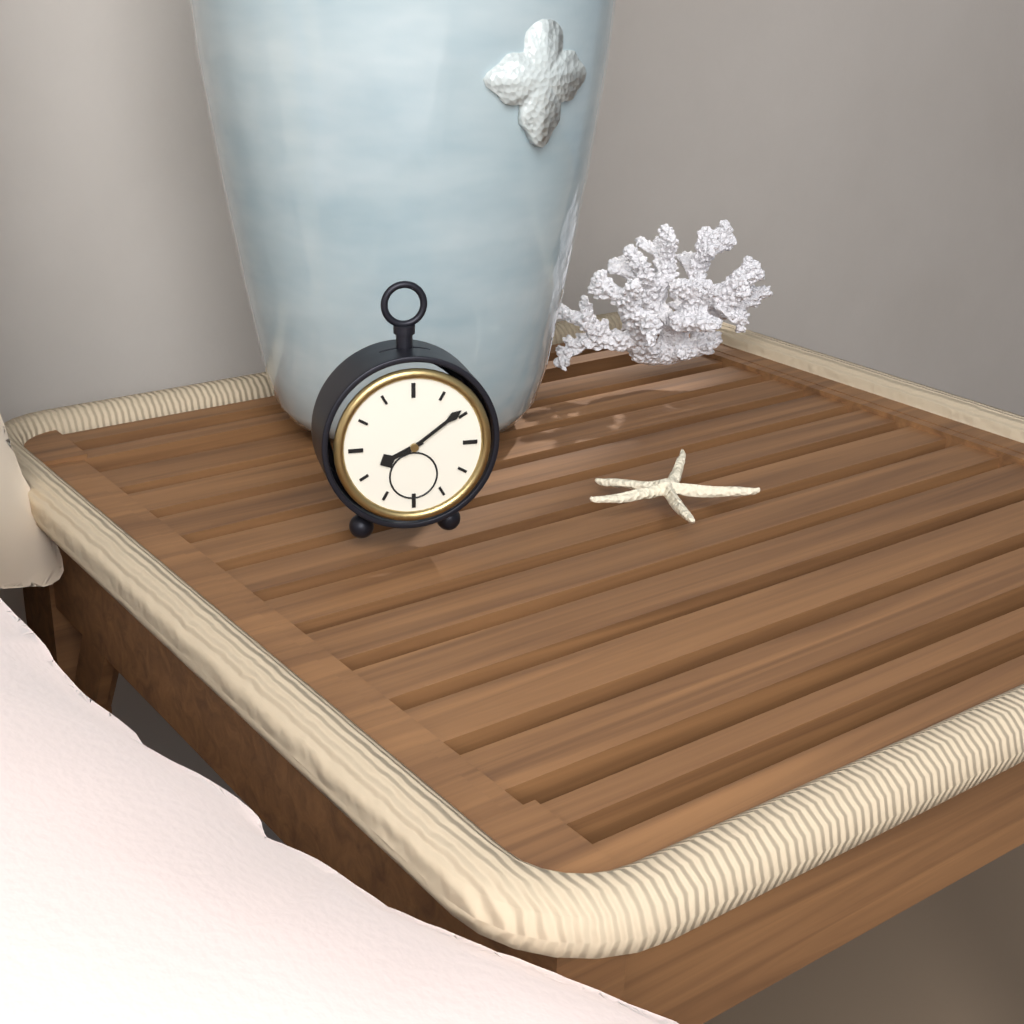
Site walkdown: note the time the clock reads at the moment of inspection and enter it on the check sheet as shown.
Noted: 8:09
